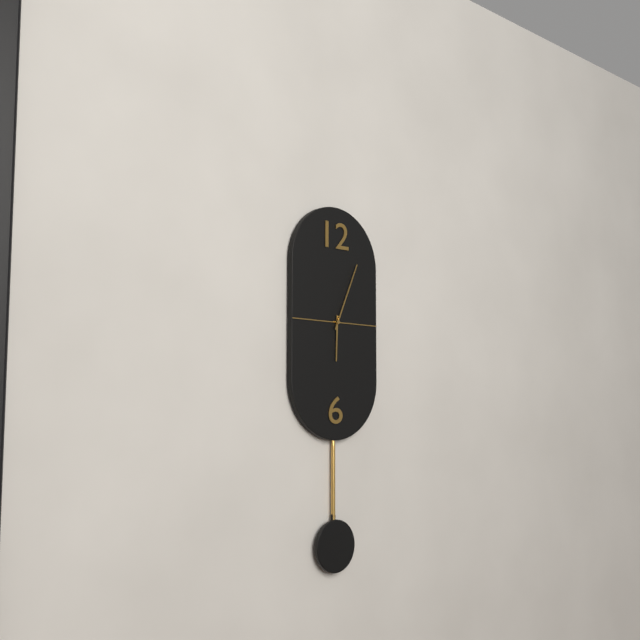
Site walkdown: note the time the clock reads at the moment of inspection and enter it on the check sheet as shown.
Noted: 6:04
